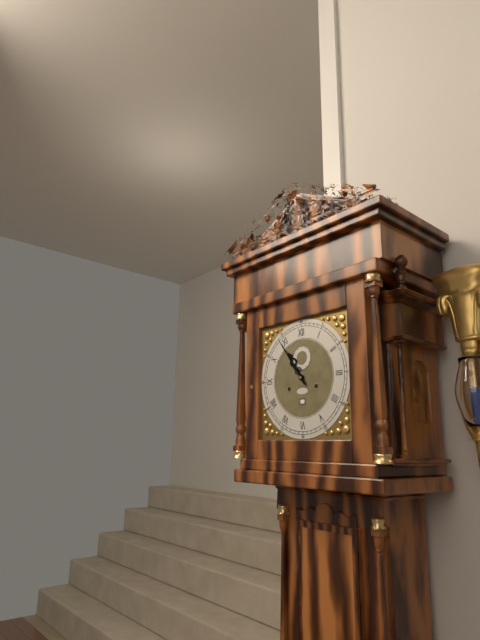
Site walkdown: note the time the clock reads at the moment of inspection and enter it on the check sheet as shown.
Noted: 10:54
